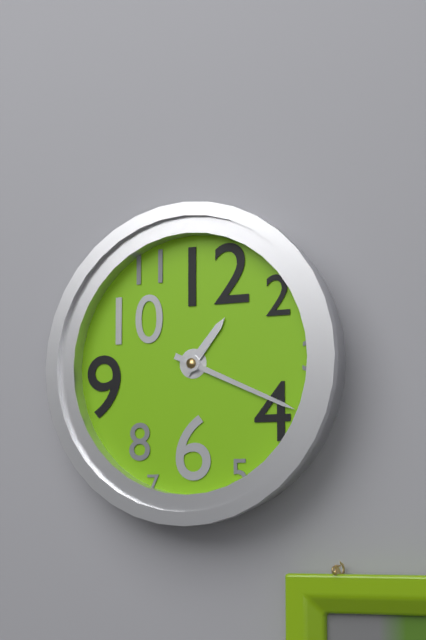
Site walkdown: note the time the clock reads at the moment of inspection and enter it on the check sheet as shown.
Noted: 1:19
